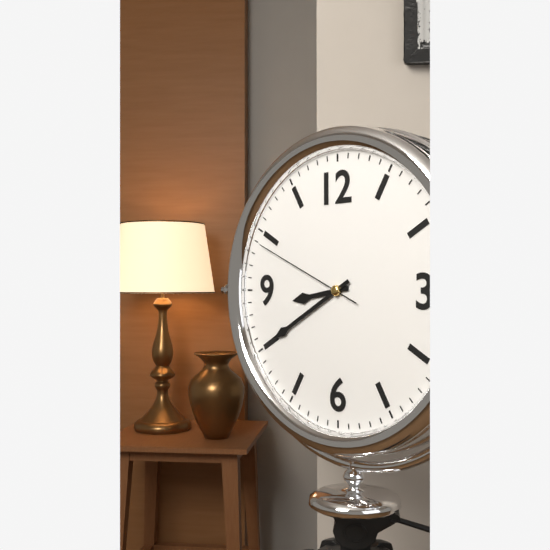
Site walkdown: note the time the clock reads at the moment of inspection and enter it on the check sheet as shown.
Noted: 8:40:49
